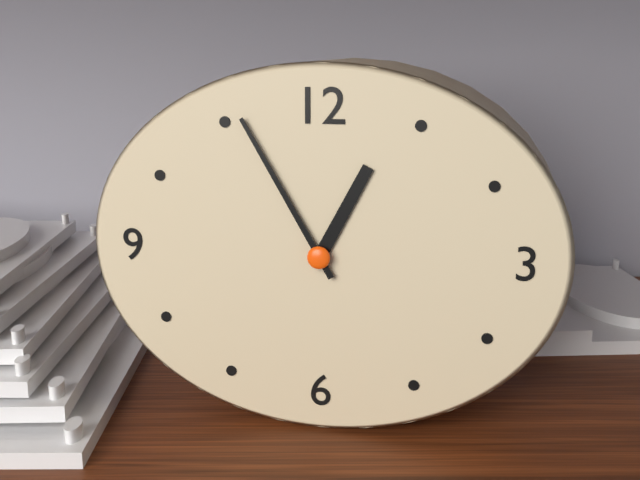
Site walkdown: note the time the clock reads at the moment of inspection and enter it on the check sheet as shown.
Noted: 12:55
